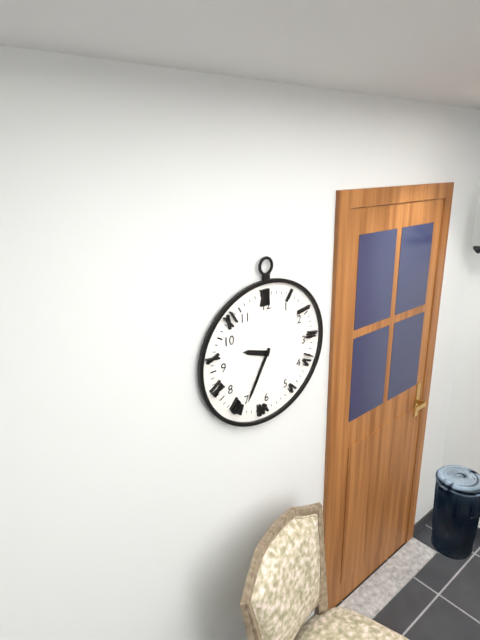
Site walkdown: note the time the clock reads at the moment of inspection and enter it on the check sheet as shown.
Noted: 9:35
